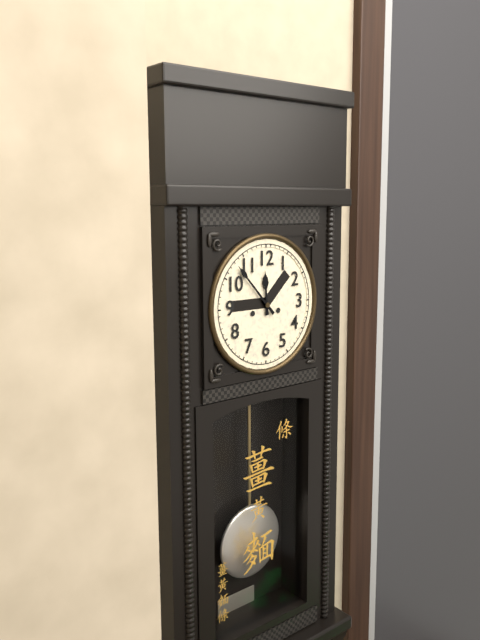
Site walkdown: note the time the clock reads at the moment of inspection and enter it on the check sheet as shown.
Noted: 11:53
